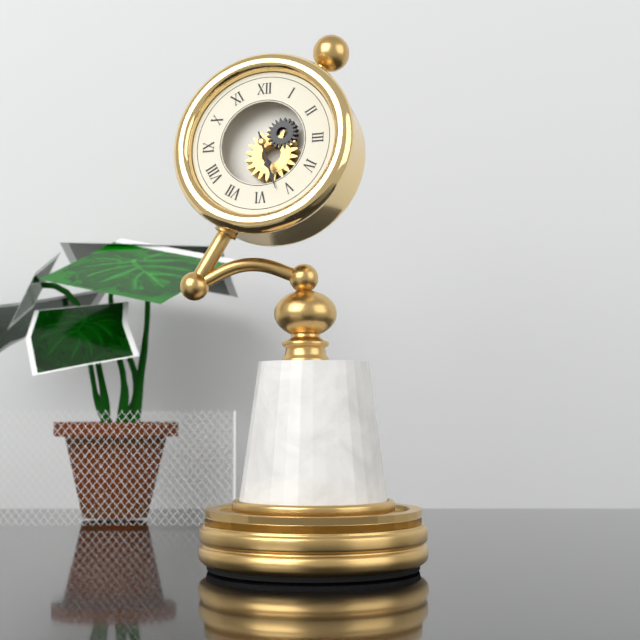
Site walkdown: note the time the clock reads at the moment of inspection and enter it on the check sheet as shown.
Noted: 5:27
